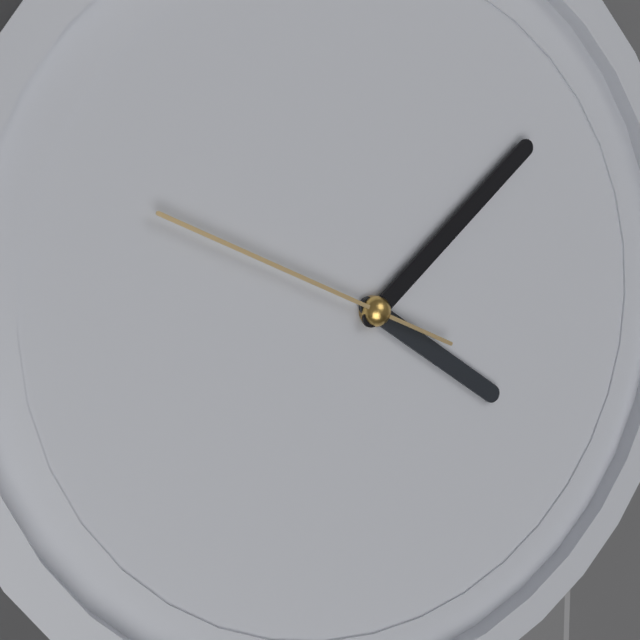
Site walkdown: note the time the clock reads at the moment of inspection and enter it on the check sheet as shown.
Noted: 4:08:49
